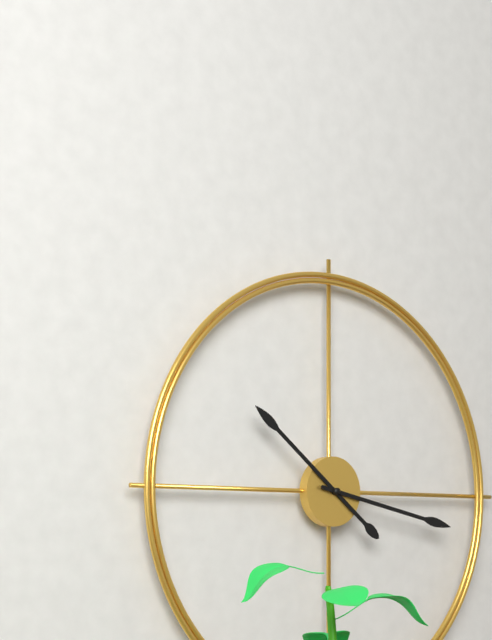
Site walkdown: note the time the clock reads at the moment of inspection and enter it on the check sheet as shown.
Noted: 10:17
